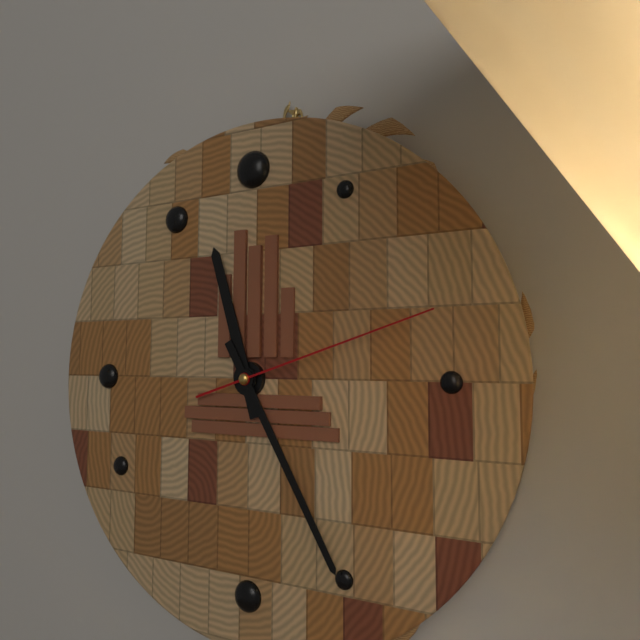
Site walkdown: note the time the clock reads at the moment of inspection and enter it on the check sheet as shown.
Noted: 11:25:12
